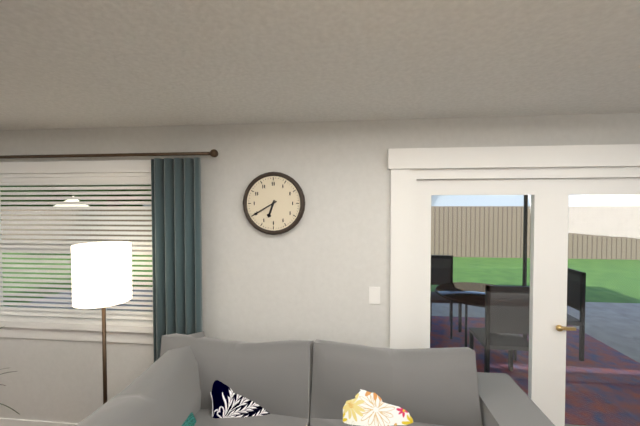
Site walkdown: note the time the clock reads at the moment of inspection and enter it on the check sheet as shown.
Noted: 6:40
